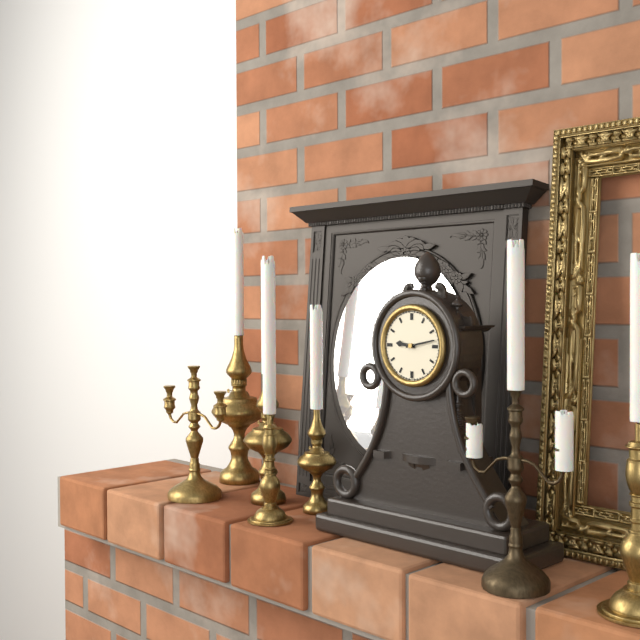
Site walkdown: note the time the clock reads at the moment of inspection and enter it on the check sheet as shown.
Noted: 9:13
